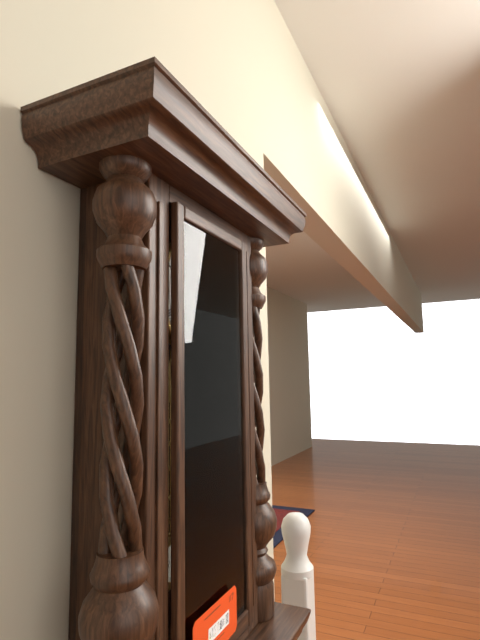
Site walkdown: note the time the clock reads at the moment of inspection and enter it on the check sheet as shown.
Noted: 11:00
